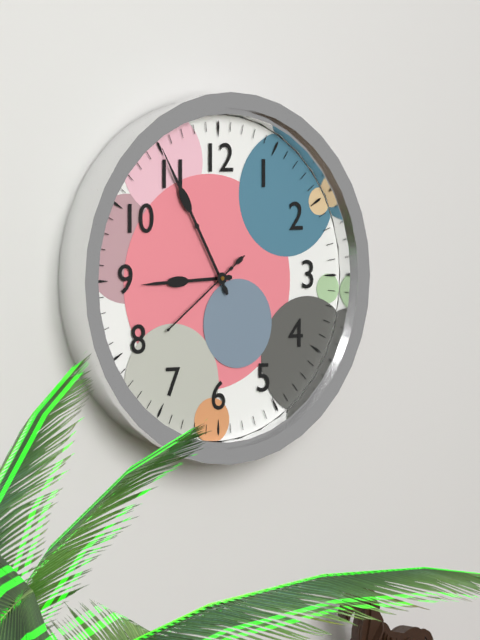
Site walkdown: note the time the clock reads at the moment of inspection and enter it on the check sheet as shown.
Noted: 8:55:39
